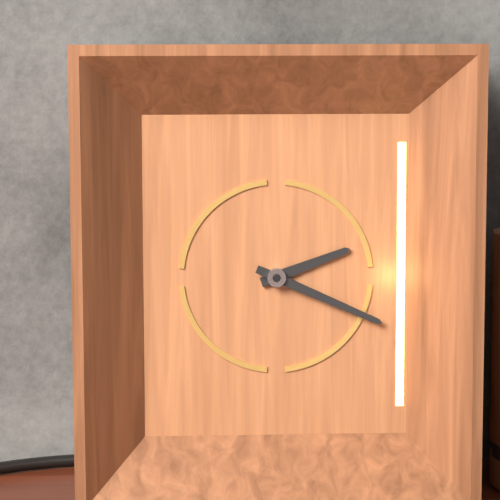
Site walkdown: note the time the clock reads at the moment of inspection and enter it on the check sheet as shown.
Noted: 2:19
